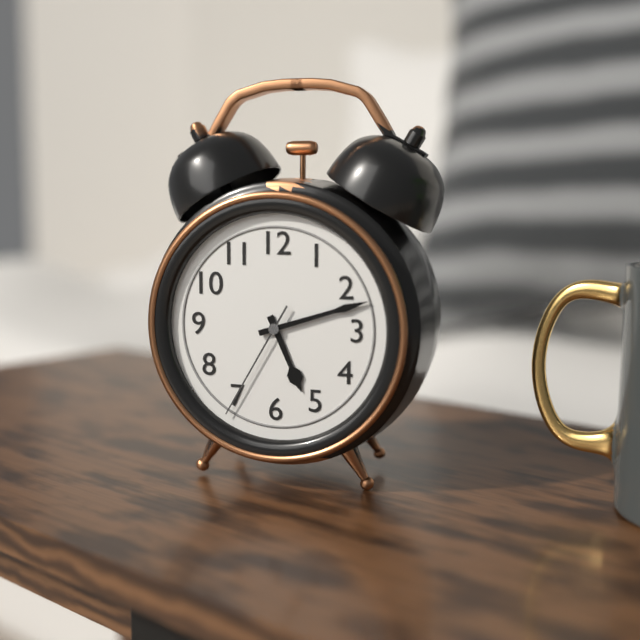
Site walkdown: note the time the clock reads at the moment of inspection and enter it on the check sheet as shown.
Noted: 5:12:35
